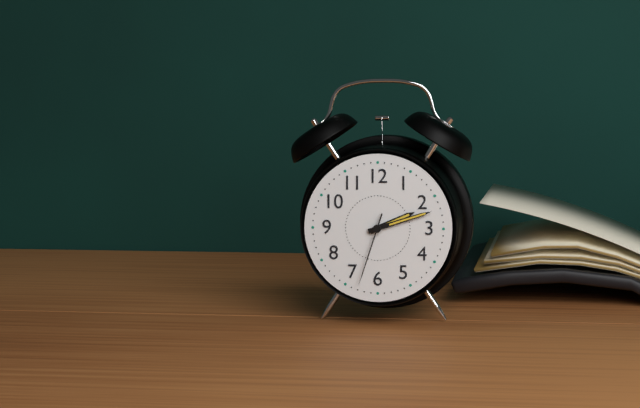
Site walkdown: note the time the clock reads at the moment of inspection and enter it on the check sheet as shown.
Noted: 2:12:33
